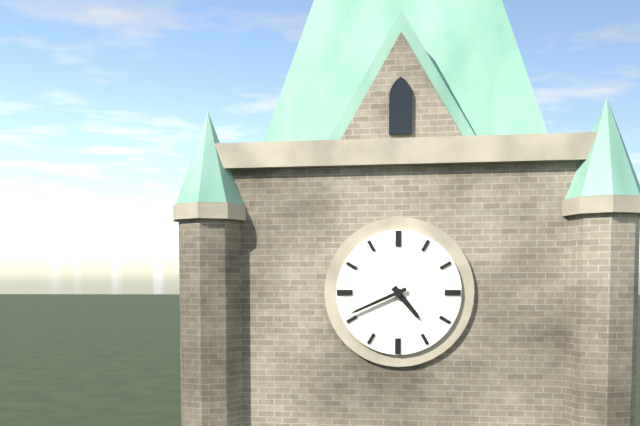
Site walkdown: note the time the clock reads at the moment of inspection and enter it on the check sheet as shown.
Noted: 4:41
